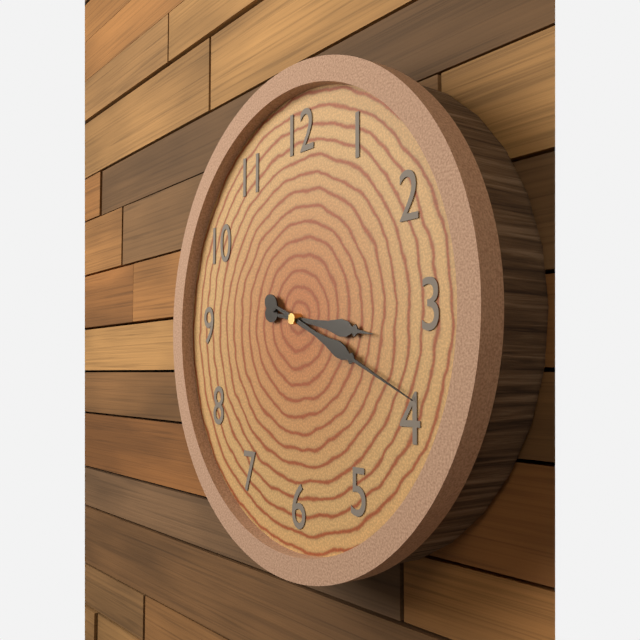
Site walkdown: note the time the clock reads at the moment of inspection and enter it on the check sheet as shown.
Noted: 3:19
